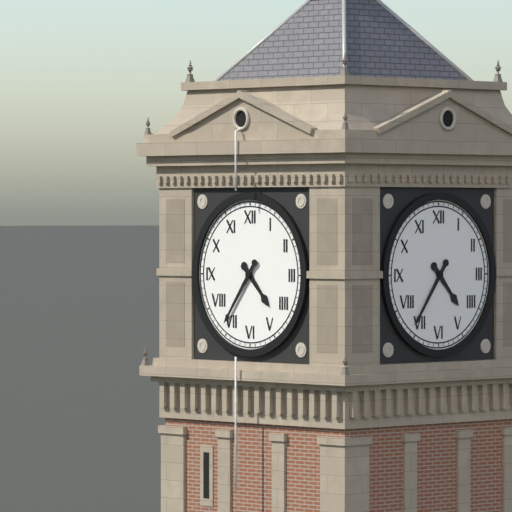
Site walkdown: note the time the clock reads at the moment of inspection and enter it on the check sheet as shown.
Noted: 4:36
